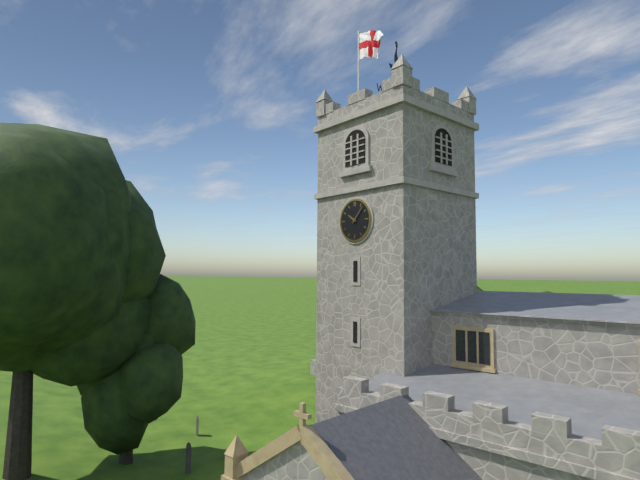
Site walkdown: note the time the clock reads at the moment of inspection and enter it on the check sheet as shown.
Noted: 10:07
